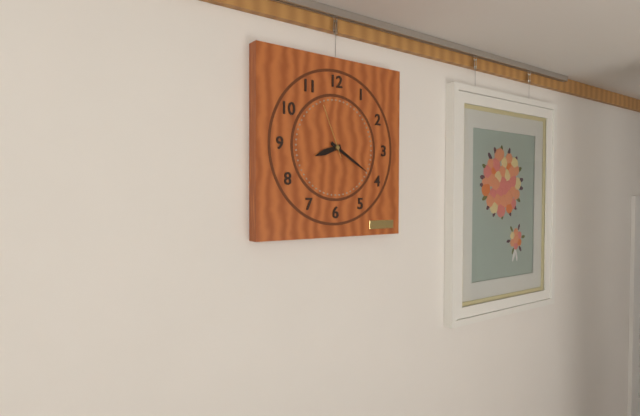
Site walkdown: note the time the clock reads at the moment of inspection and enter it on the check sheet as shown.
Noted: 8:20:56
